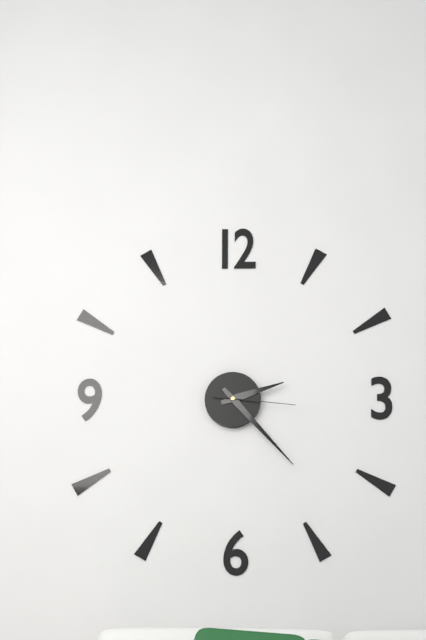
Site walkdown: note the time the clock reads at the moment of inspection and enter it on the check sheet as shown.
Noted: 2:23:16
